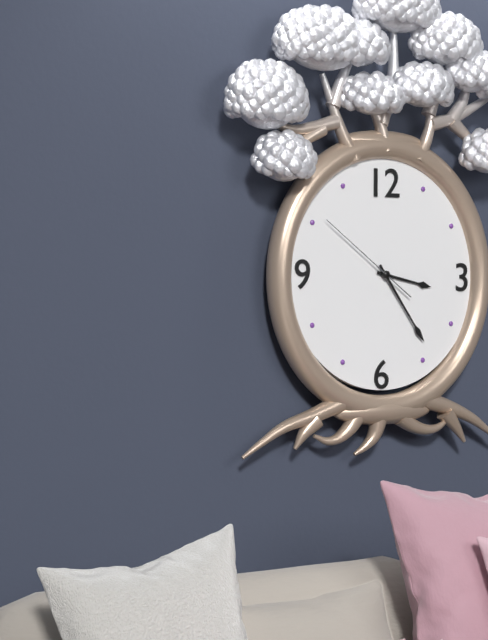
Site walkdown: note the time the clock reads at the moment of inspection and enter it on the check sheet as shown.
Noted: 3:24:51
